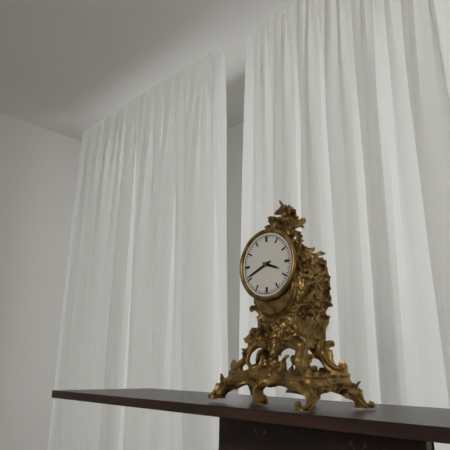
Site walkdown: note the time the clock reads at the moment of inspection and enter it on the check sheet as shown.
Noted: 3:41
